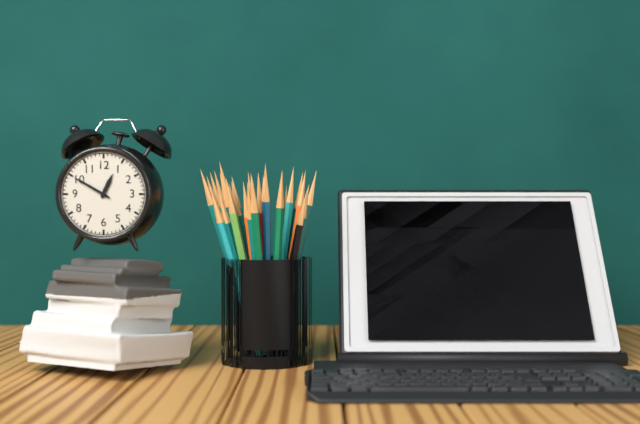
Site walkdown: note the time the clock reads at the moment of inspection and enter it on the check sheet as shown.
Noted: 12:50
